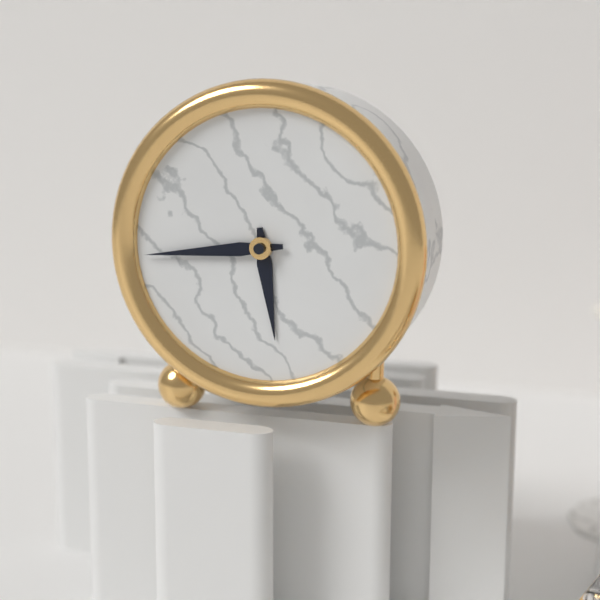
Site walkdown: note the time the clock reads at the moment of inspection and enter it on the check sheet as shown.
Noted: 5:44
